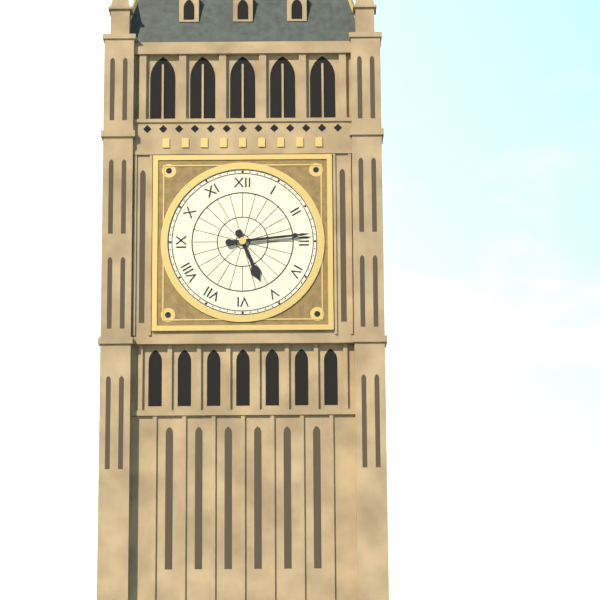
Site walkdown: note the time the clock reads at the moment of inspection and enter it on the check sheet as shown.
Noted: 5:14
